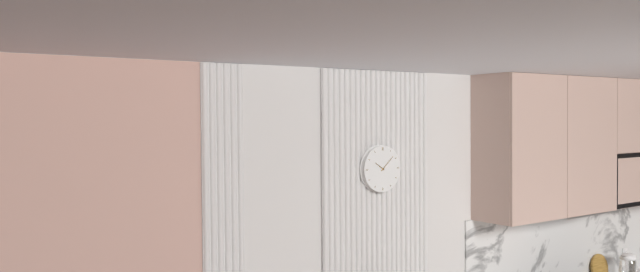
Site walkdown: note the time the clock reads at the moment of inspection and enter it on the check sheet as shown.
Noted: 10:08
